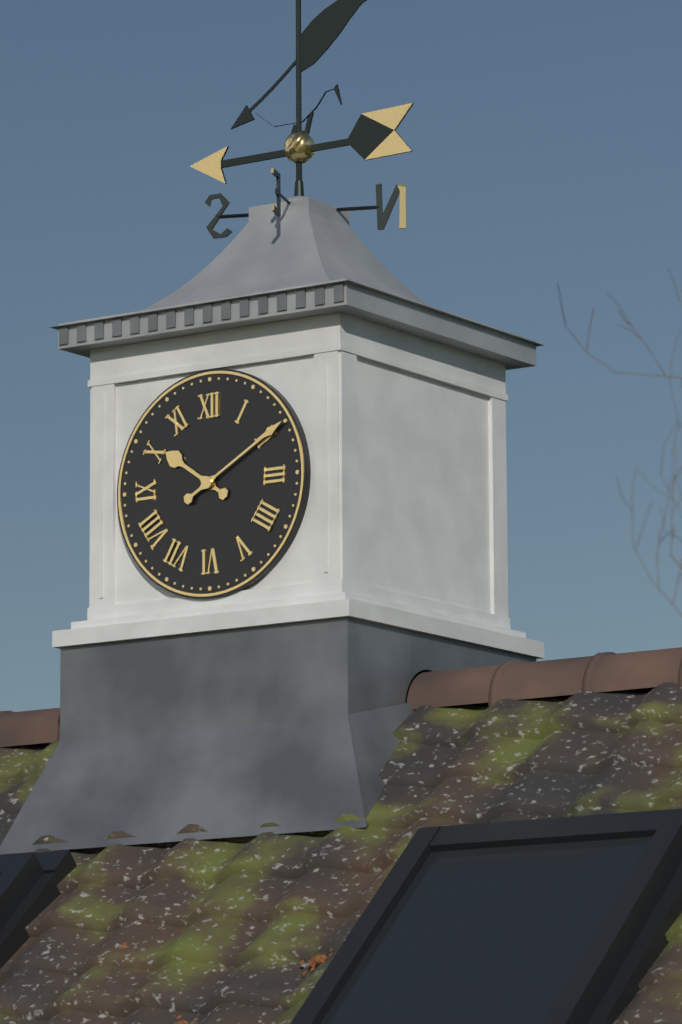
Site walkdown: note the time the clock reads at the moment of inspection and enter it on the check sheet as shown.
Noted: 10:10
